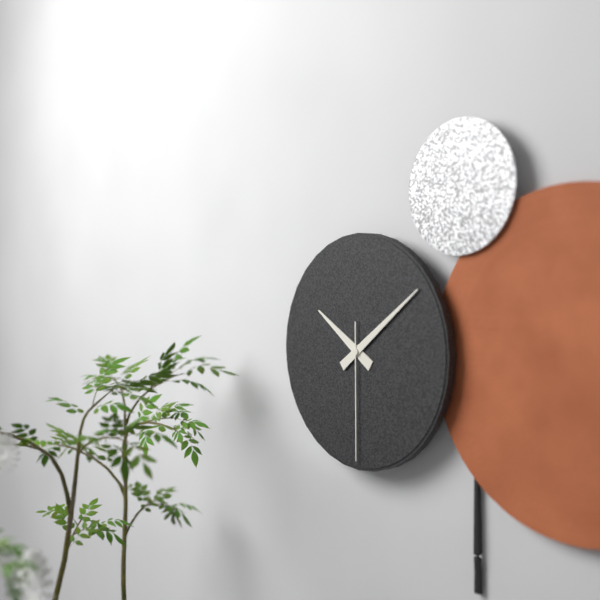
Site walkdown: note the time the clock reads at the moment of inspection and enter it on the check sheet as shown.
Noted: 10:09:30
